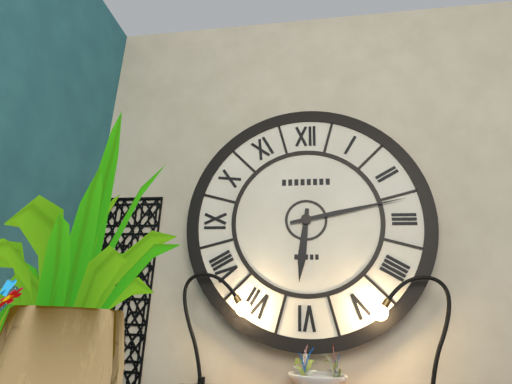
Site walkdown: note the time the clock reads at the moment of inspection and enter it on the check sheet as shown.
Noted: 6:13
